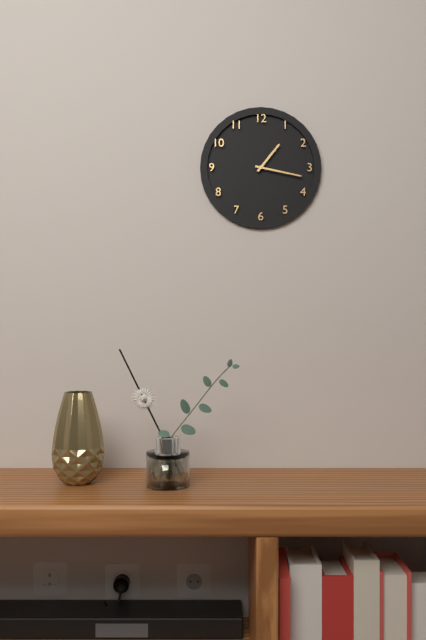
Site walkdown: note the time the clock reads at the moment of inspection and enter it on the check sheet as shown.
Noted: 1:17
